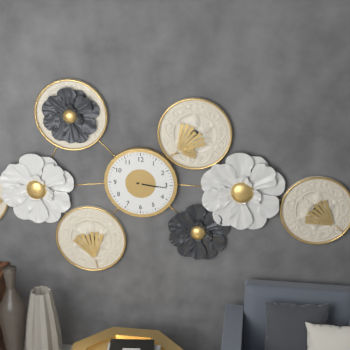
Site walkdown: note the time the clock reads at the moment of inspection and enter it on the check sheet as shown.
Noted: 3:16
